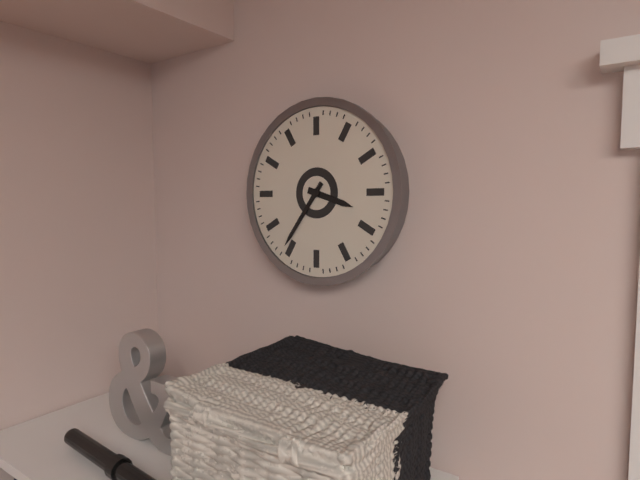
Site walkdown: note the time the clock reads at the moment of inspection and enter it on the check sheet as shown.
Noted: 3:36
